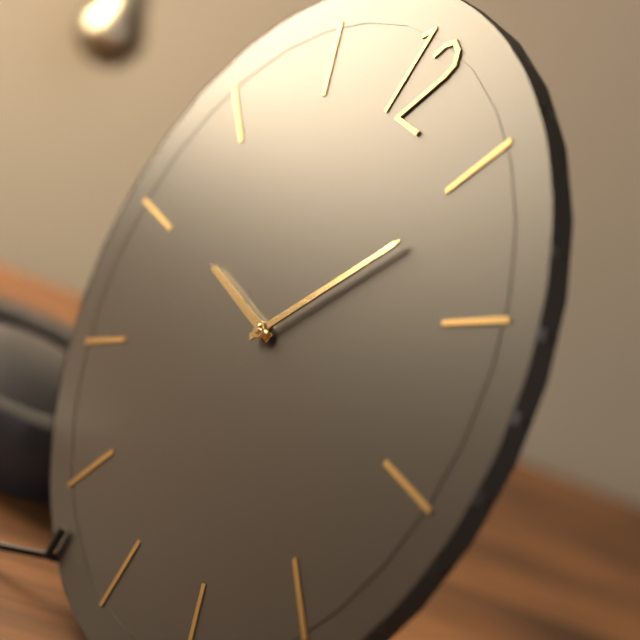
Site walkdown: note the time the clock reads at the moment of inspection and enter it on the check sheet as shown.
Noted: 9:06
